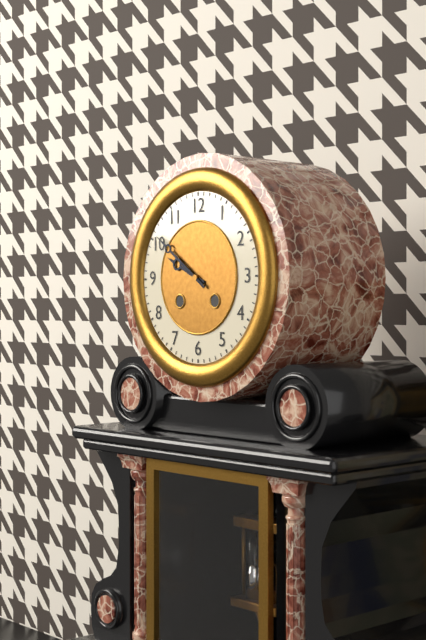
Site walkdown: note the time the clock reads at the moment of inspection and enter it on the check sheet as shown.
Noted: 9:51
